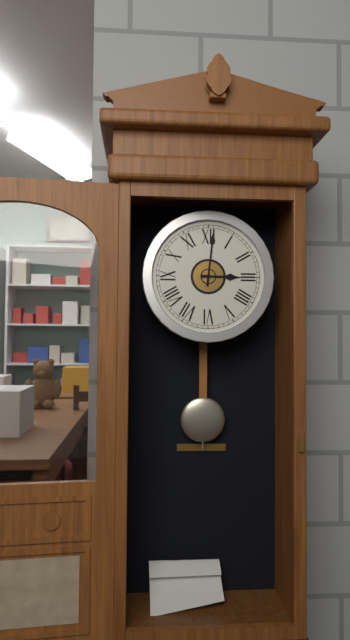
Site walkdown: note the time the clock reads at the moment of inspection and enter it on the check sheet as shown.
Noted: 3:01
